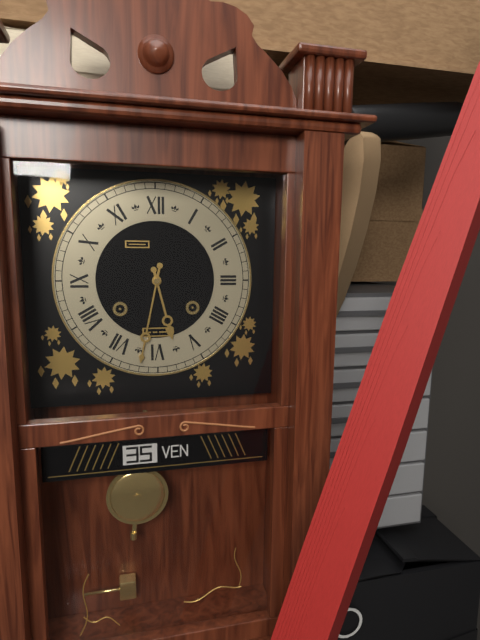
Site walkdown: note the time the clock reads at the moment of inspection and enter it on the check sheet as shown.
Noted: 5:32
